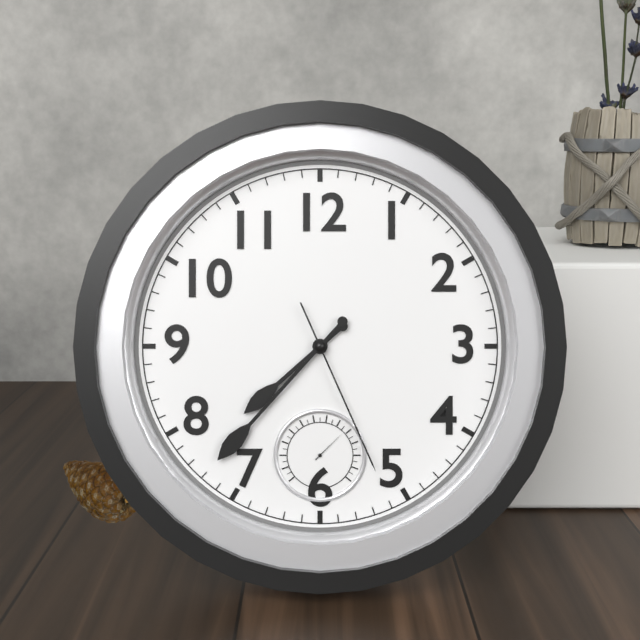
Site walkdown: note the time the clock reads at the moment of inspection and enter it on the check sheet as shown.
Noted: 7:37:26
